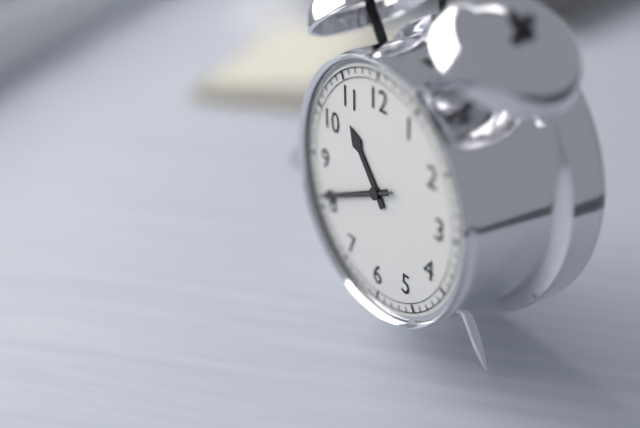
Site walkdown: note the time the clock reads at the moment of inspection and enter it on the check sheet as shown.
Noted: 10:41:41
